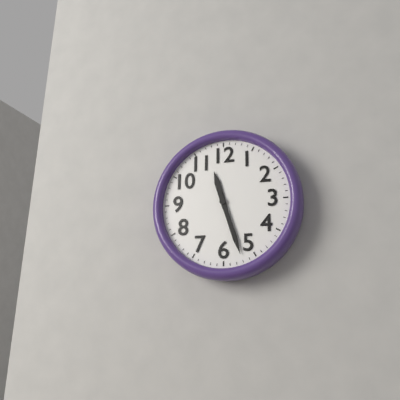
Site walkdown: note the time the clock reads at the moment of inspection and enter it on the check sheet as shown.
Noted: 11:27
